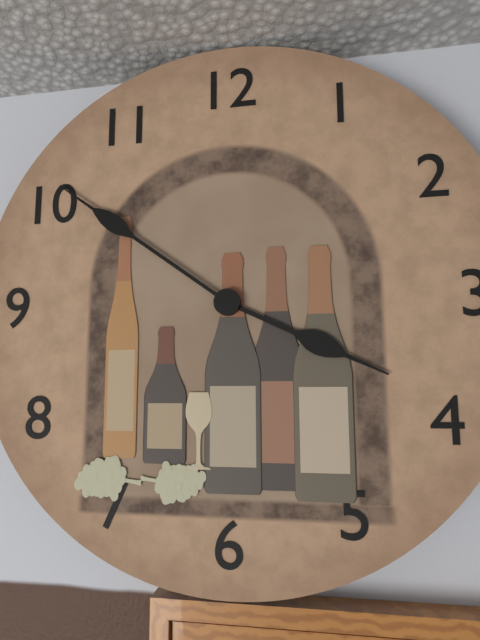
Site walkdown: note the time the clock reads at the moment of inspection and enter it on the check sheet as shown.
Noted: 3:51
